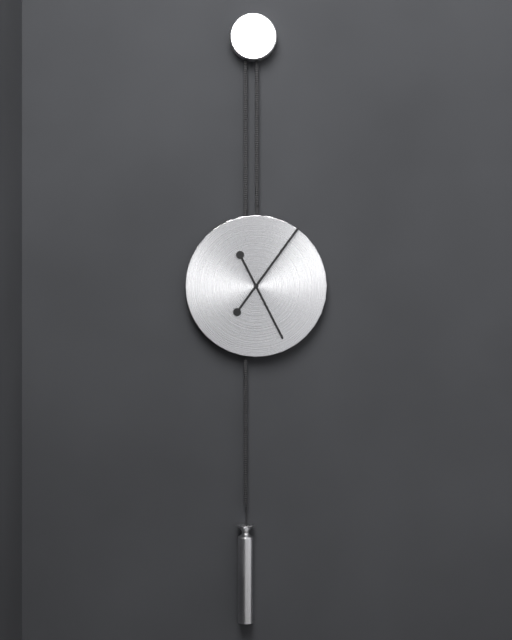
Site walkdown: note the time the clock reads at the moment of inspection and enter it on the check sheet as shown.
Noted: 5:06
